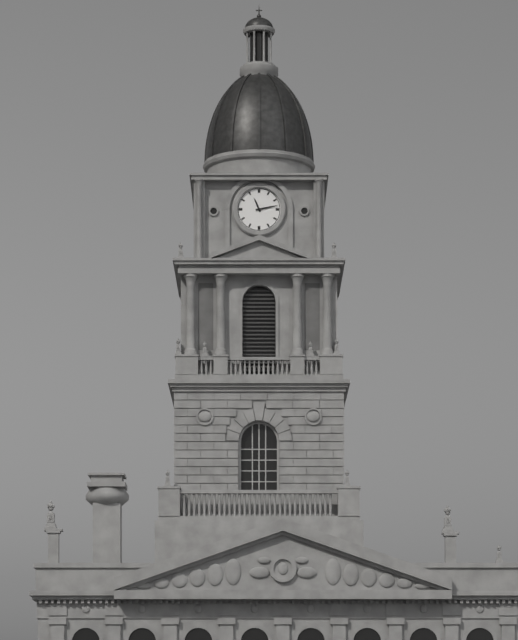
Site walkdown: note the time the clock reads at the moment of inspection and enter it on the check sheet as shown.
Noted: 11:13
